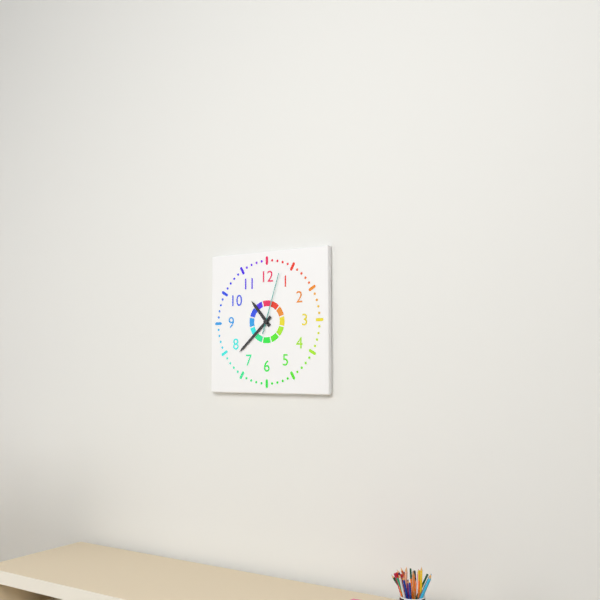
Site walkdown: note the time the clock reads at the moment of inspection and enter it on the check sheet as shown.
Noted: 10:38:03
